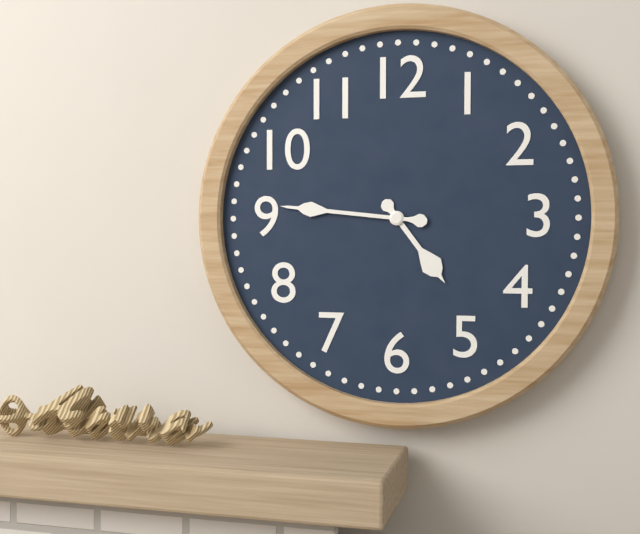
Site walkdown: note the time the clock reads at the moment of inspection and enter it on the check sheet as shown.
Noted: 4:46
